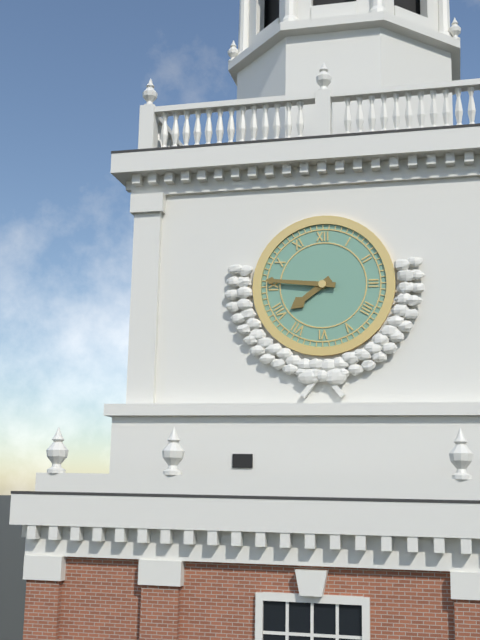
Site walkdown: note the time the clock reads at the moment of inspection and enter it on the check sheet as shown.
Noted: 7:46
